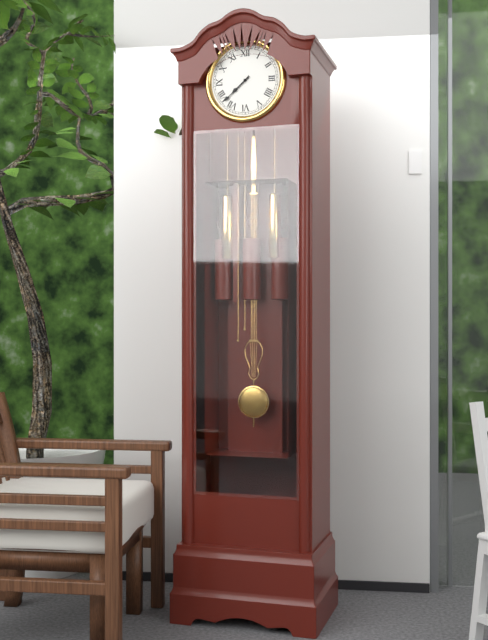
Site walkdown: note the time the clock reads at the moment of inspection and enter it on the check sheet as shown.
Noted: 7:38
